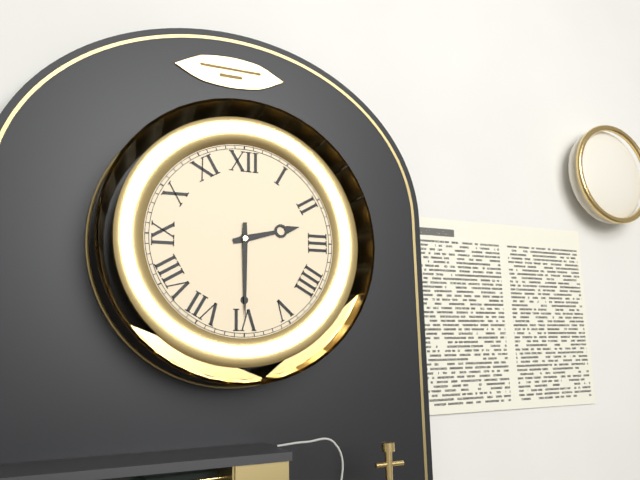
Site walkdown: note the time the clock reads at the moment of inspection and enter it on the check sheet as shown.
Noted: 2:30
